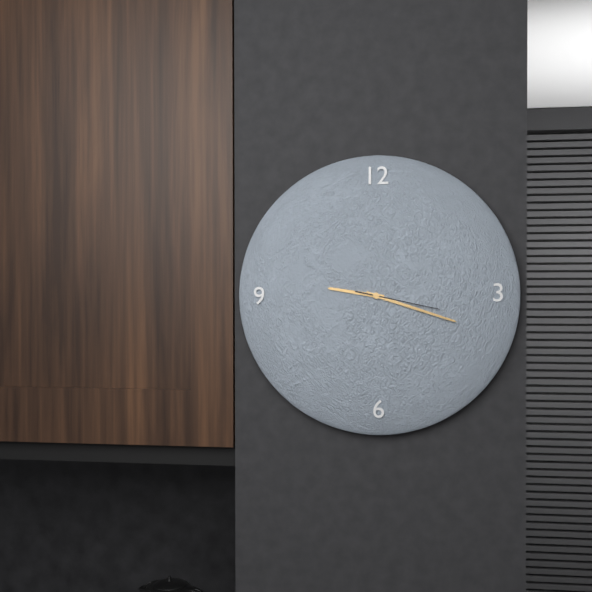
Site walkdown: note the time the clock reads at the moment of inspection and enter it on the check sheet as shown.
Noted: 9:18:17
